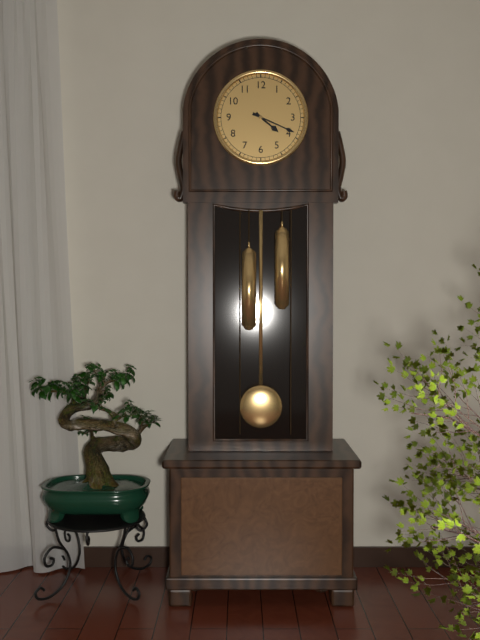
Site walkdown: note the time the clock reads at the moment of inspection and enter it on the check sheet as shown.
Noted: 4:19
